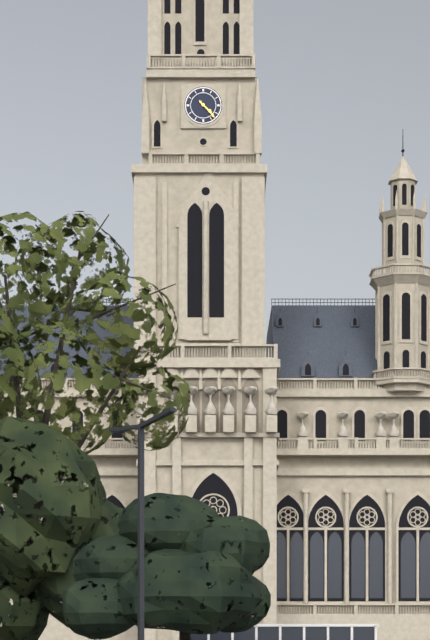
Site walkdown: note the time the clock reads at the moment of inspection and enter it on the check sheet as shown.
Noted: 4:23
